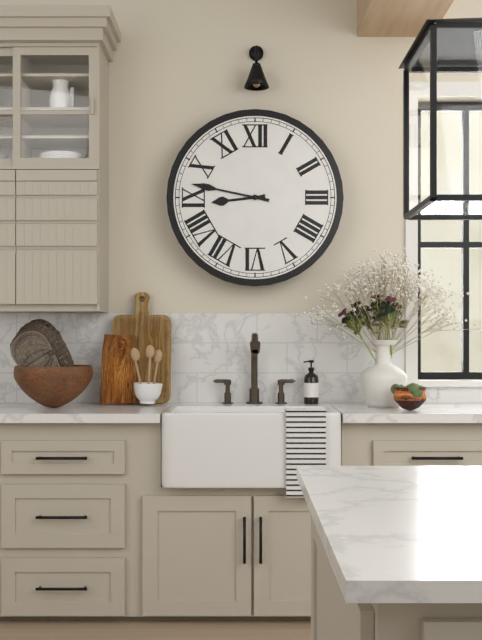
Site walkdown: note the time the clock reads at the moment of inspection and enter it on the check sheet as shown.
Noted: 8:47
